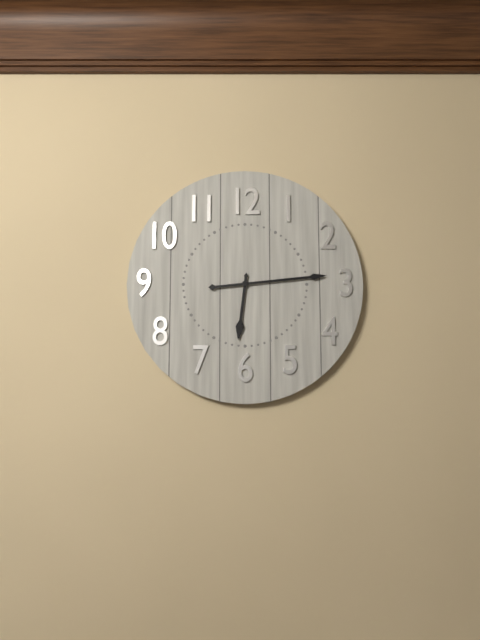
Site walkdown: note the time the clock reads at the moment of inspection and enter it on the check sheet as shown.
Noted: 6:14
